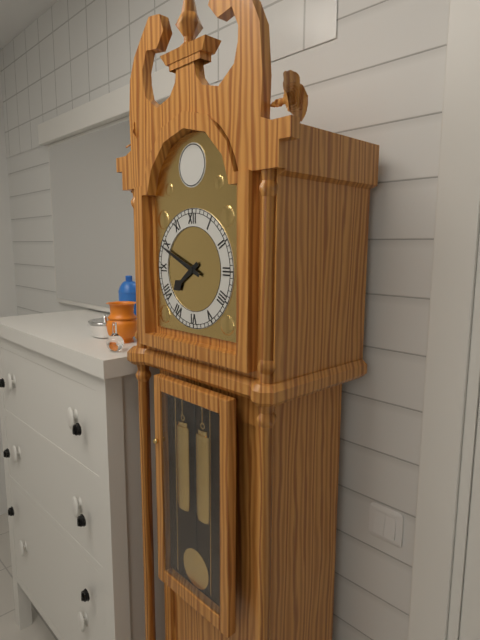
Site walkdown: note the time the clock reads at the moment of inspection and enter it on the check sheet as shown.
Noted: 7:49
